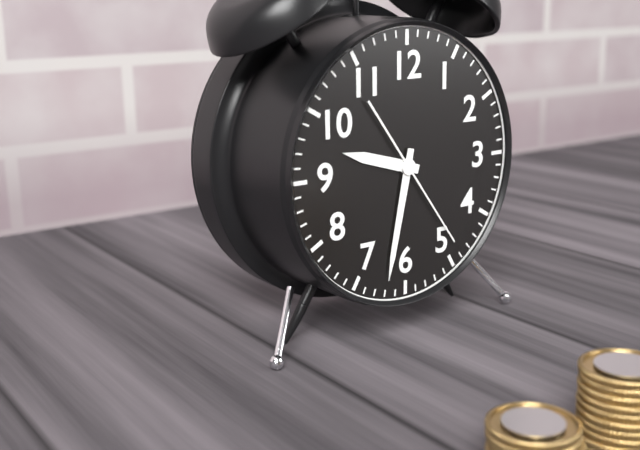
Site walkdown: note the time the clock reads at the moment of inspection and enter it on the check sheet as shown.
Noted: 9:32:24
